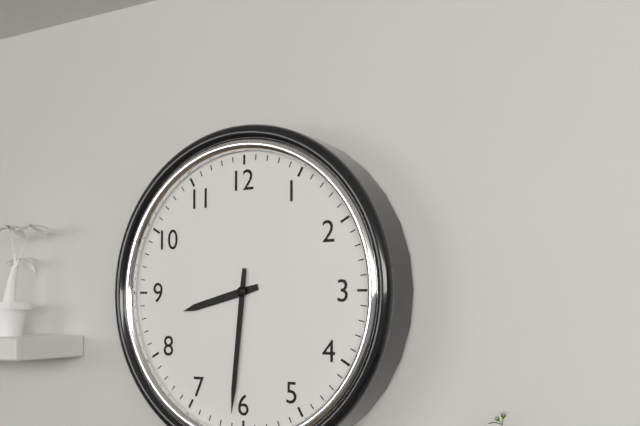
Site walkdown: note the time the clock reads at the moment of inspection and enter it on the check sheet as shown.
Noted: 8:31
